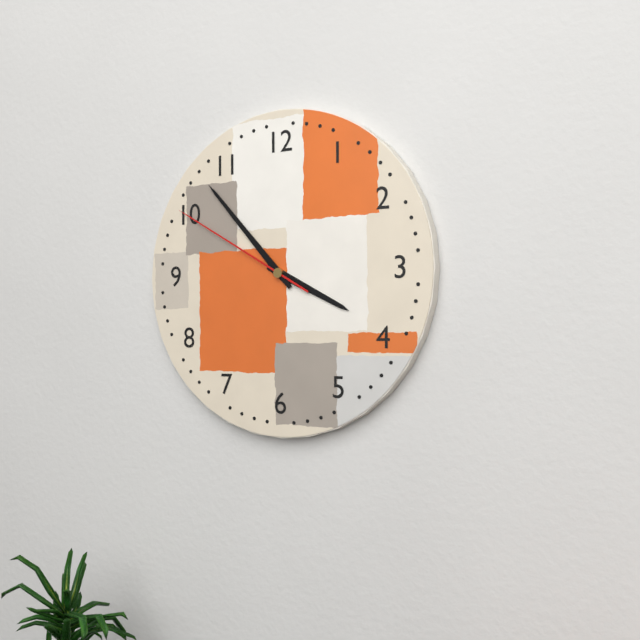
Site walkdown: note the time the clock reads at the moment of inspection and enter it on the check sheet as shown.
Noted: 3:53:50
